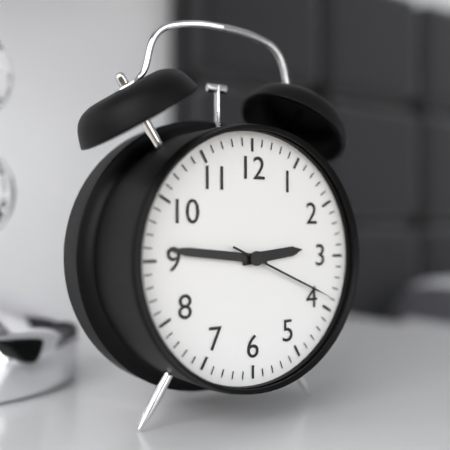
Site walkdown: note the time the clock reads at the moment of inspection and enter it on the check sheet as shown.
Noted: 2:46:19
